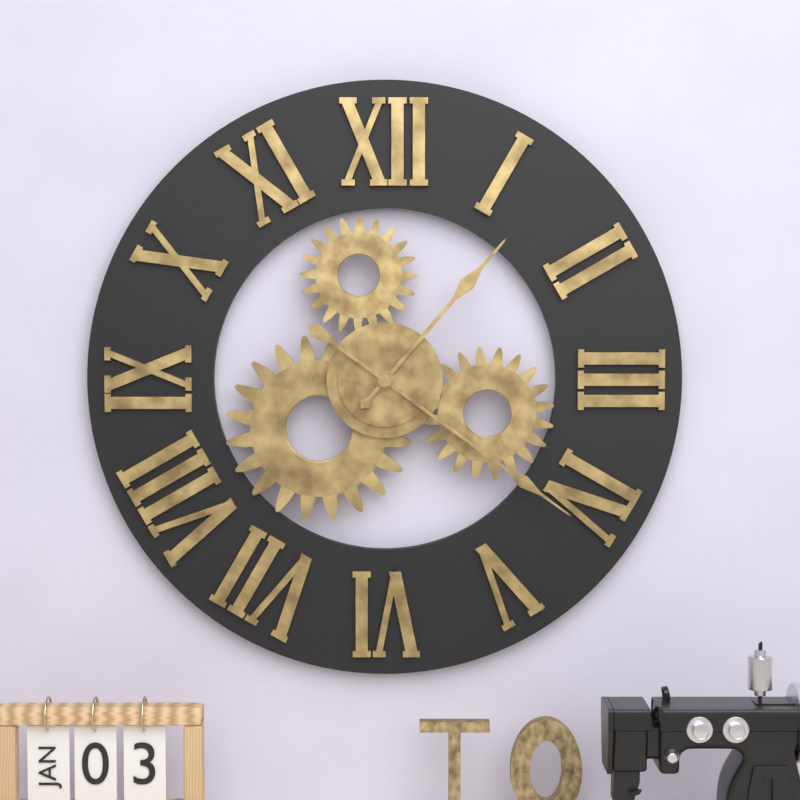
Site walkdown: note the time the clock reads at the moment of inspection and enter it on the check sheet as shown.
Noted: 1:21
